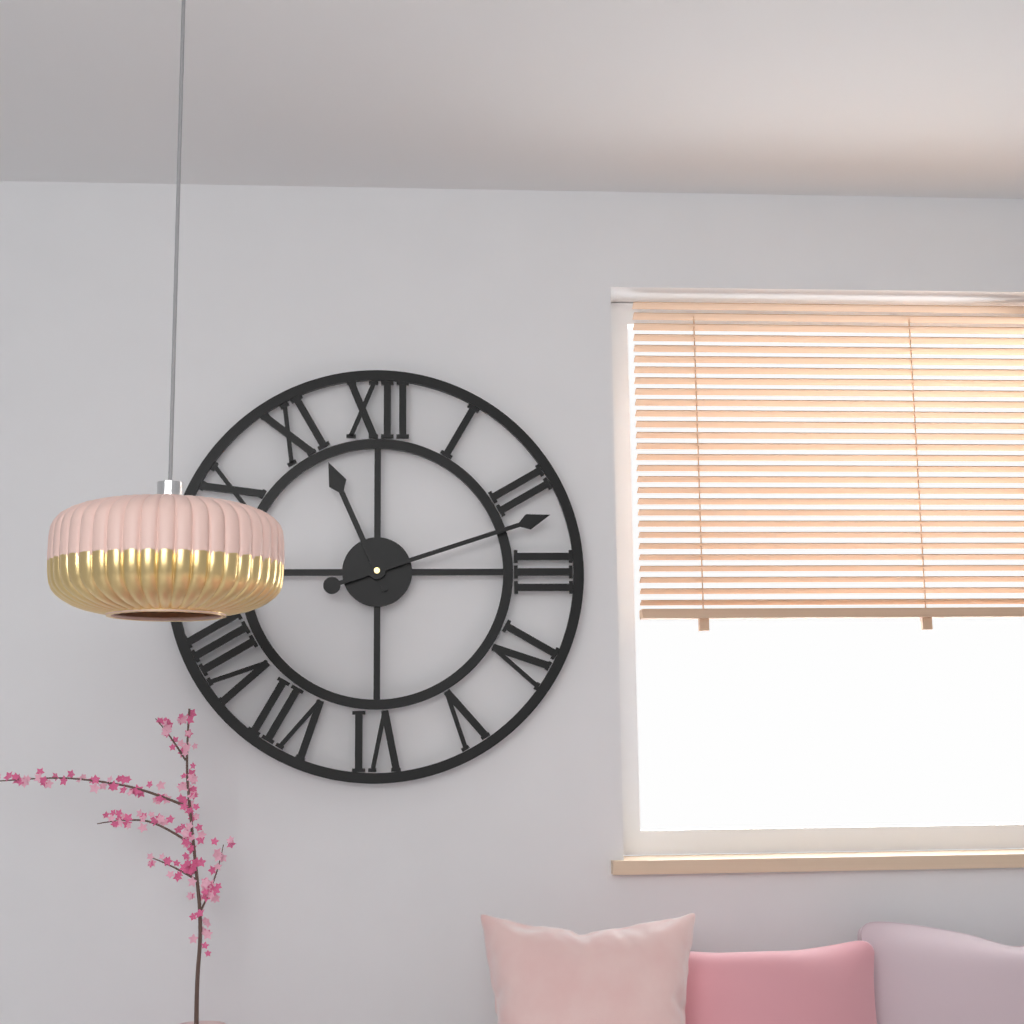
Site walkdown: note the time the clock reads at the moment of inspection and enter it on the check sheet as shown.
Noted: 11:12
